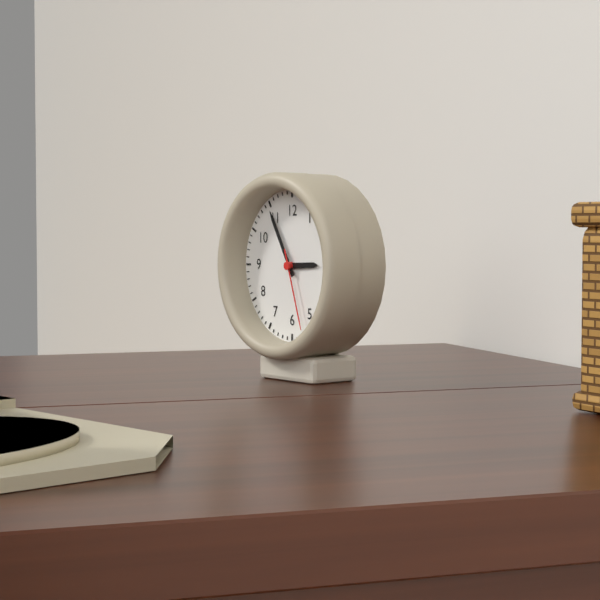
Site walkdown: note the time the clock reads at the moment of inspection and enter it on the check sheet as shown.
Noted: 2:55:27
